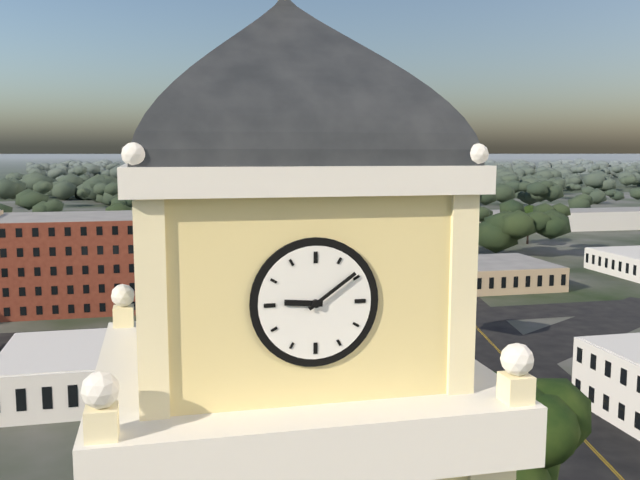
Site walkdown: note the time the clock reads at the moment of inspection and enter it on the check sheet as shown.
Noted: 9:09
